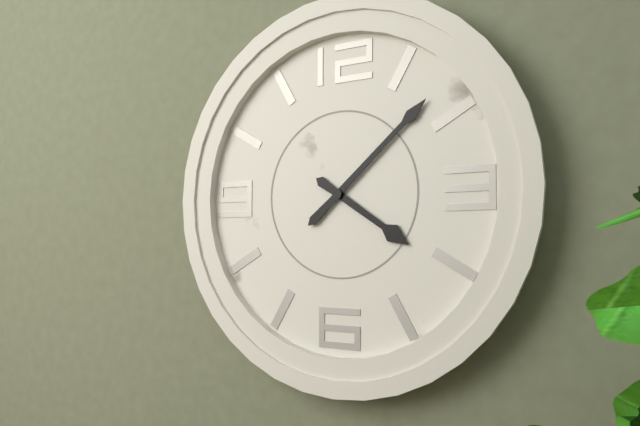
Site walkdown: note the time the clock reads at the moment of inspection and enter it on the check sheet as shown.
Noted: 4:08
